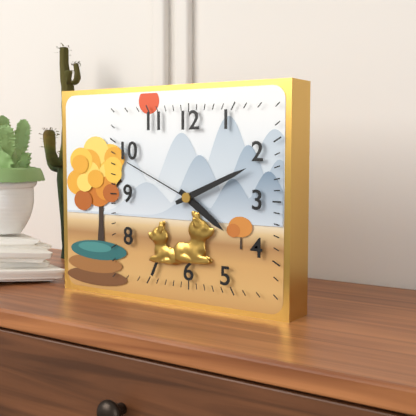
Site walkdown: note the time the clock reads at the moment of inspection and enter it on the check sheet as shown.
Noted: 4:11:49
